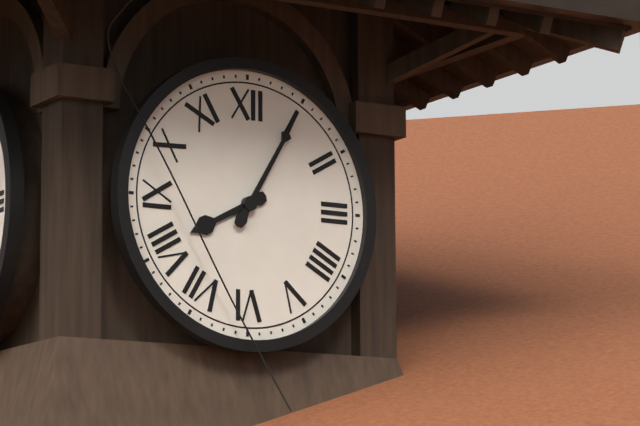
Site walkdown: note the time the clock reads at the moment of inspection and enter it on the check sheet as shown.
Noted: 8:05
